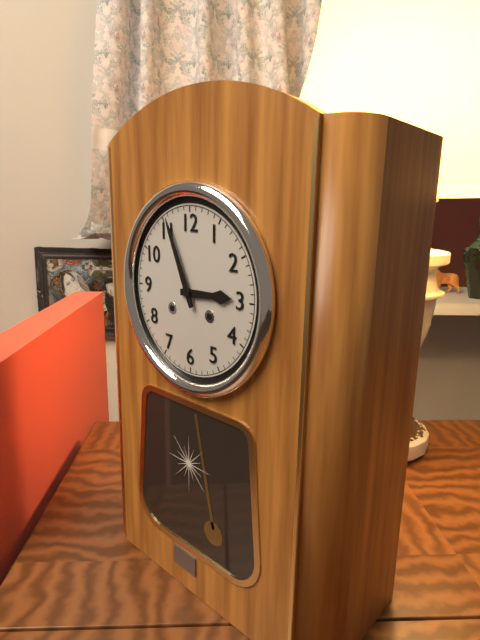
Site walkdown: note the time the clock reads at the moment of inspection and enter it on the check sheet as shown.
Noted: 2:56
